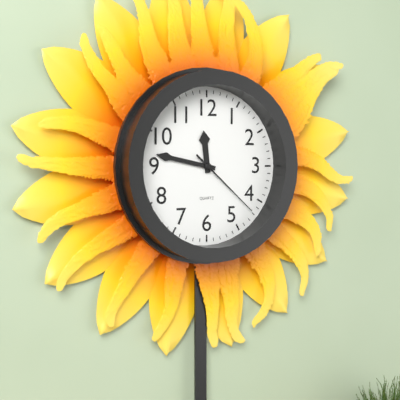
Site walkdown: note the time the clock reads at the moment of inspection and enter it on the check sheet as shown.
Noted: 11:47:22
